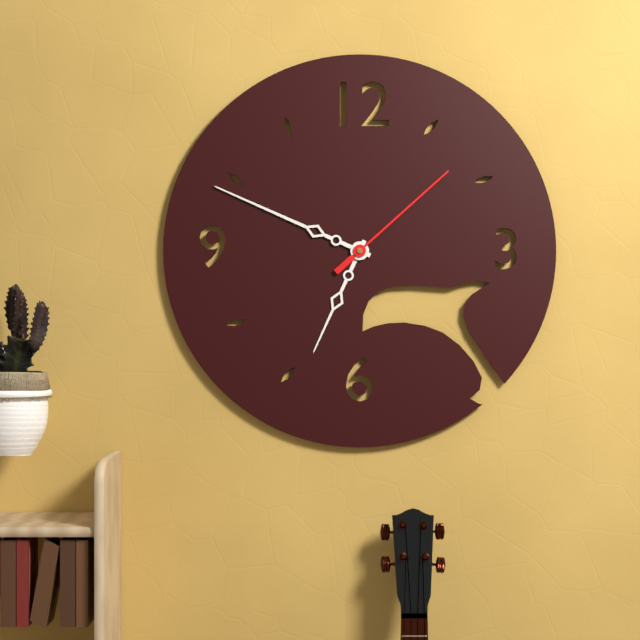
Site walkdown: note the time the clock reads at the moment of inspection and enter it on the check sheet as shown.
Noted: 6:49:08
